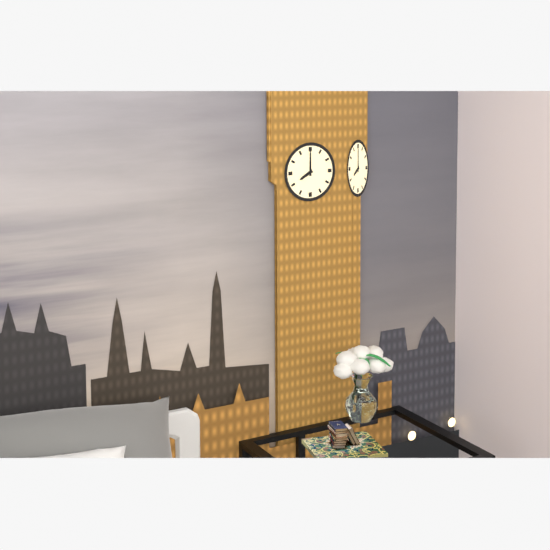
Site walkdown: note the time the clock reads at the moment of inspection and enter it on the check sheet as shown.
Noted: 8:00
